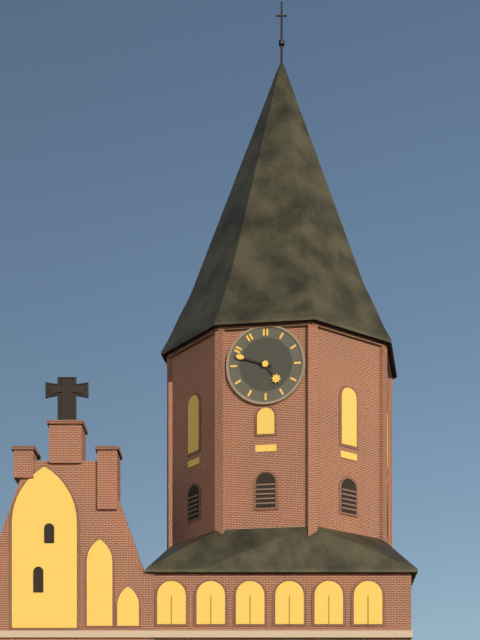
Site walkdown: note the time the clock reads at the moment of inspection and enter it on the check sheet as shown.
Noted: 4:48
